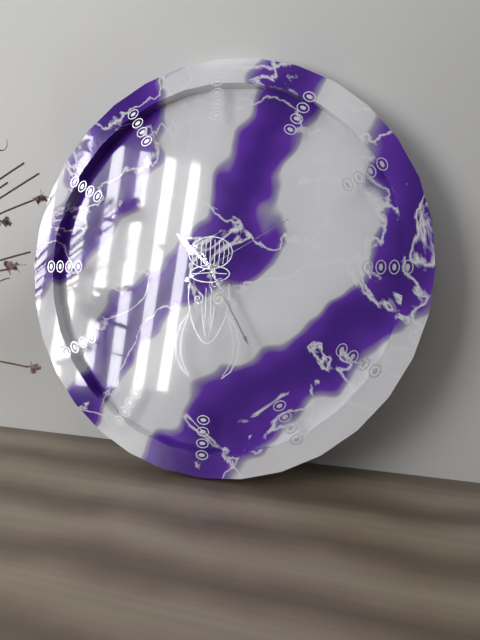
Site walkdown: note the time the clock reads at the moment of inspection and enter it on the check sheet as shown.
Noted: 10:25:10
